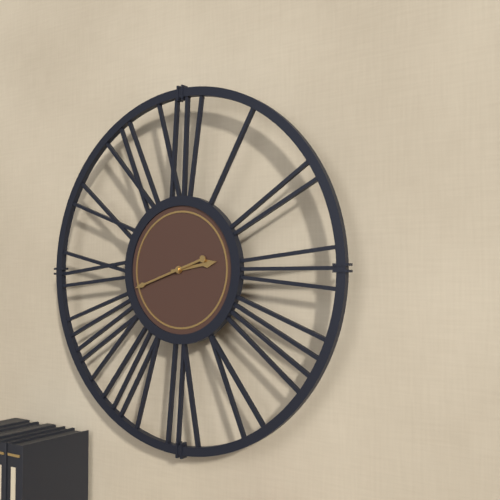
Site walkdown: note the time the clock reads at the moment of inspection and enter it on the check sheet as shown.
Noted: 2:42
